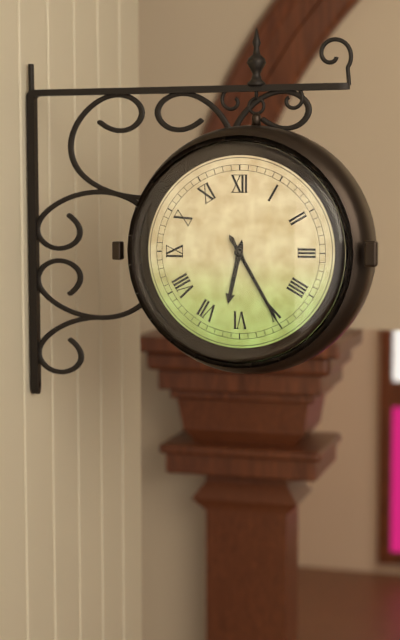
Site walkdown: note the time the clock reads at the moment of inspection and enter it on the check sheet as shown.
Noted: 6:25
